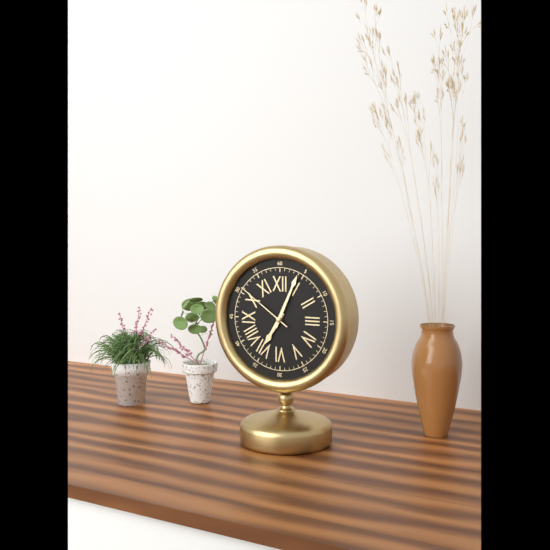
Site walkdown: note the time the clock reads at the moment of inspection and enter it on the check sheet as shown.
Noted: 7:04:51
